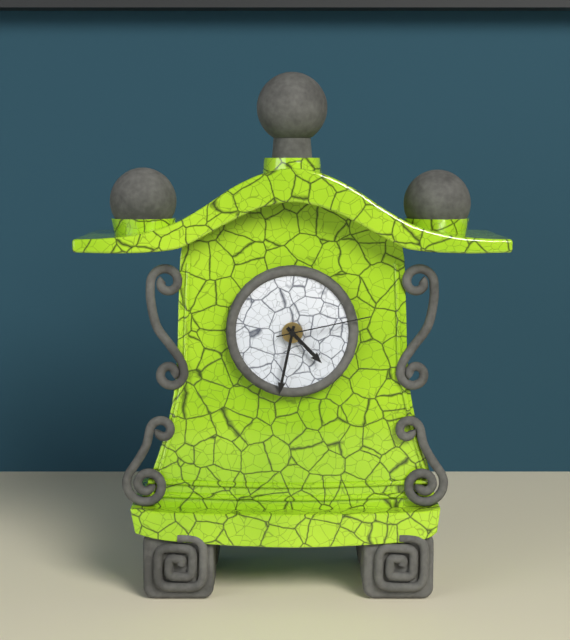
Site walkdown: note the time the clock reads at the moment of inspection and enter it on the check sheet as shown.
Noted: 4:32:13
